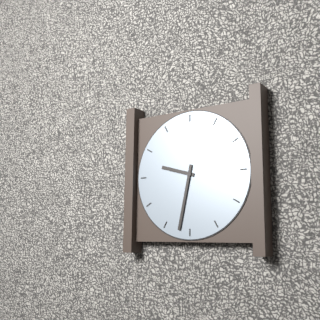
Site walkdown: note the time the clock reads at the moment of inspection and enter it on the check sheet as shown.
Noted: 9:32
